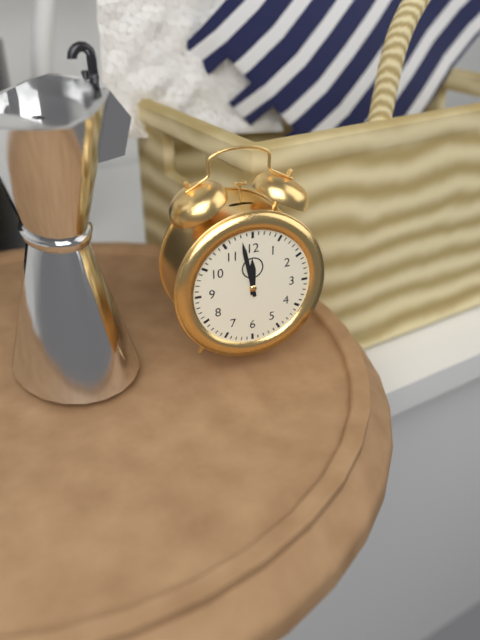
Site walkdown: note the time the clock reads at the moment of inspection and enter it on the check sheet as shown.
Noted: 11:58
